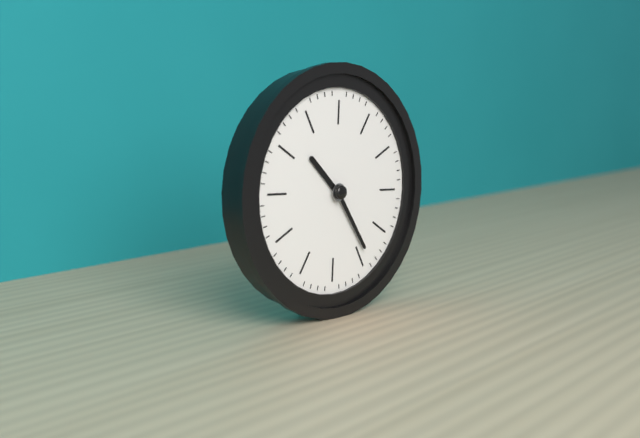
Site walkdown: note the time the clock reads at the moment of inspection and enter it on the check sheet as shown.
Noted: 10:24
